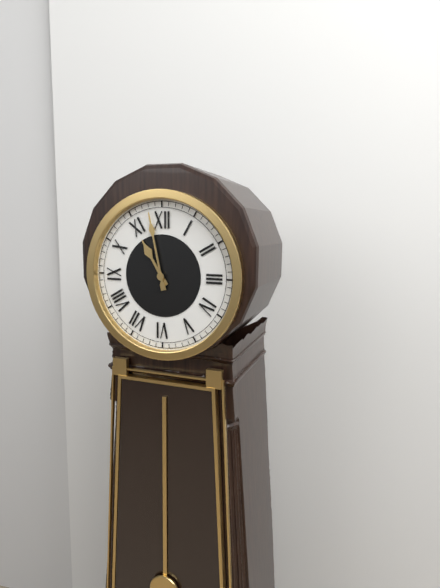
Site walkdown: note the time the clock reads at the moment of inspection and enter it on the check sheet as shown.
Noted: 10:58
